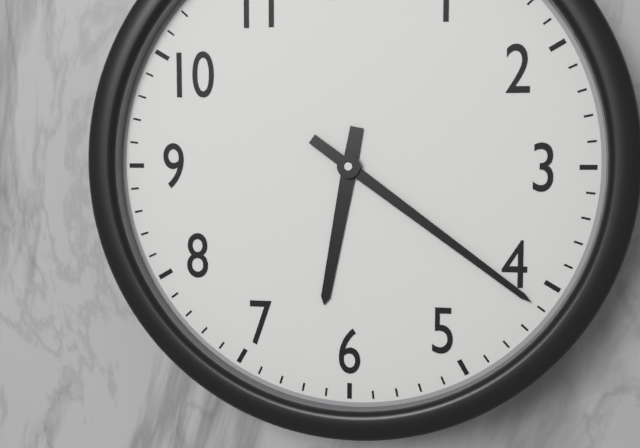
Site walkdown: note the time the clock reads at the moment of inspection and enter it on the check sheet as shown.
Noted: 6:21
